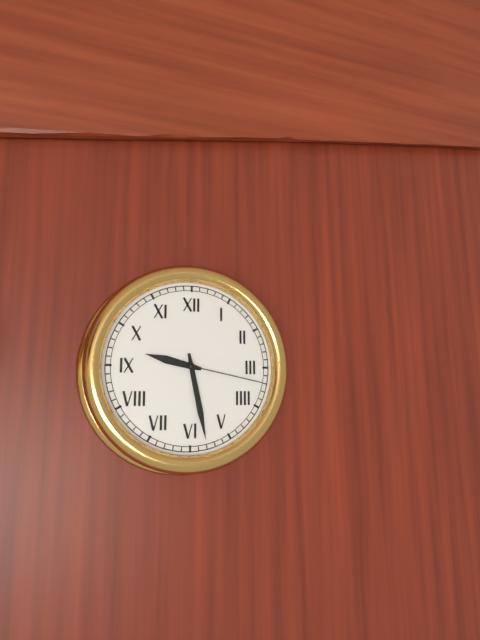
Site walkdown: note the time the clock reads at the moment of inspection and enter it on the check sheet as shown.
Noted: 9:28:17
